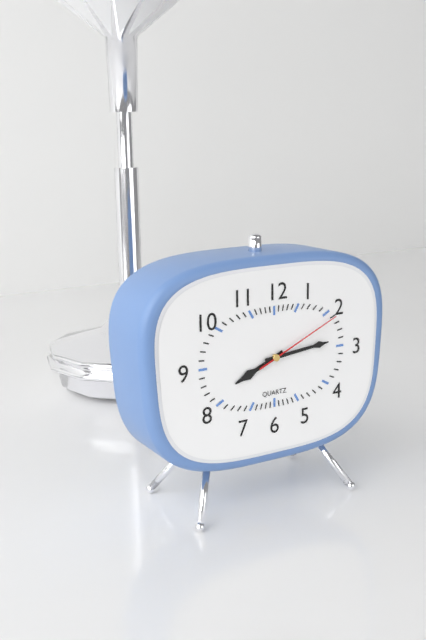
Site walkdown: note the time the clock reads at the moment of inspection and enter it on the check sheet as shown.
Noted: 8:14:11
